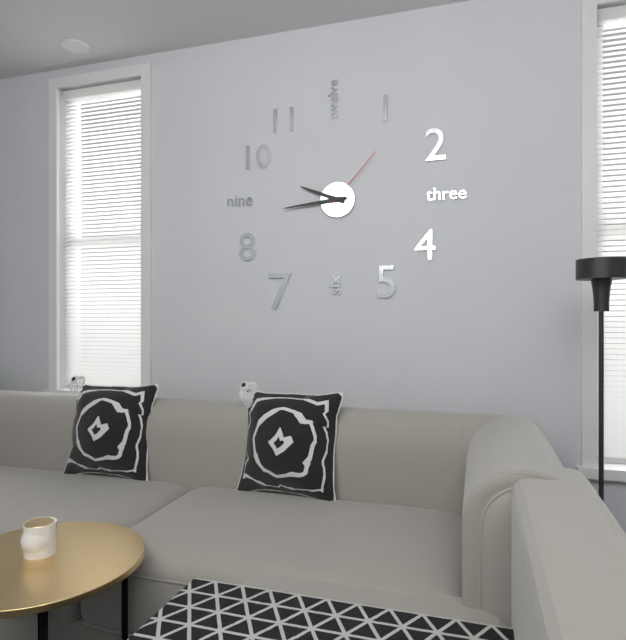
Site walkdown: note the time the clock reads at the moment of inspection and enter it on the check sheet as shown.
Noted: 9:44:07
